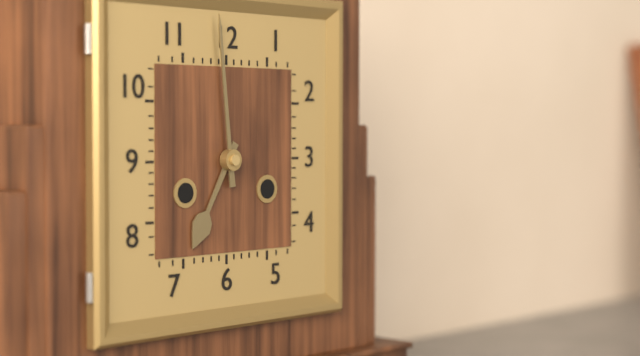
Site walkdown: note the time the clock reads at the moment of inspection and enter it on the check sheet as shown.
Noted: 6:59
